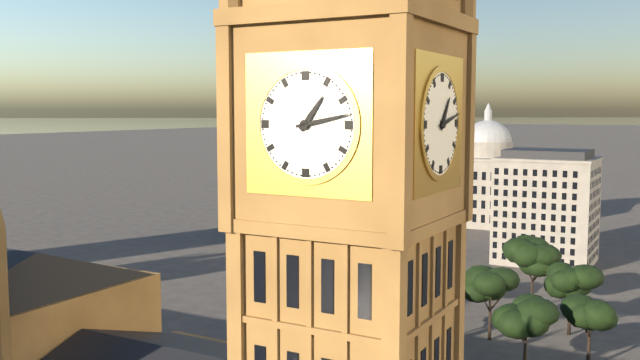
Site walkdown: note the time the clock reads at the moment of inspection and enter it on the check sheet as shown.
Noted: 1:13
